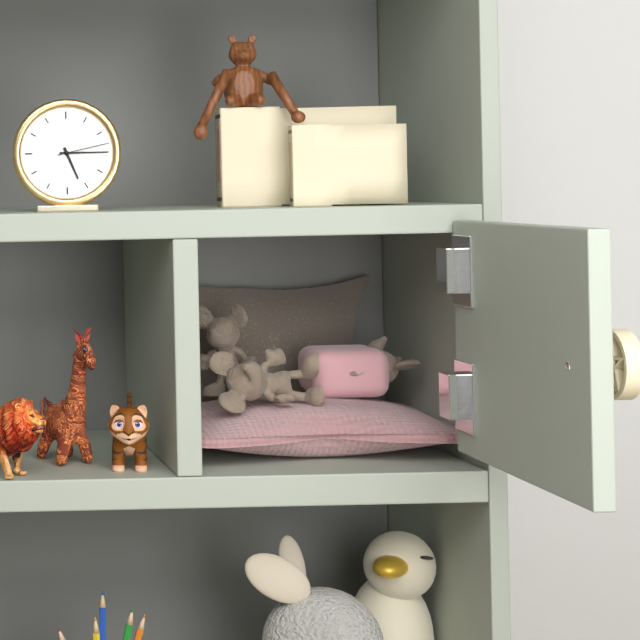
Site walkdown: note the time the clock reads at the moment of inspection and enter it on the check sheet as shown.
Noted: 5:15:13
